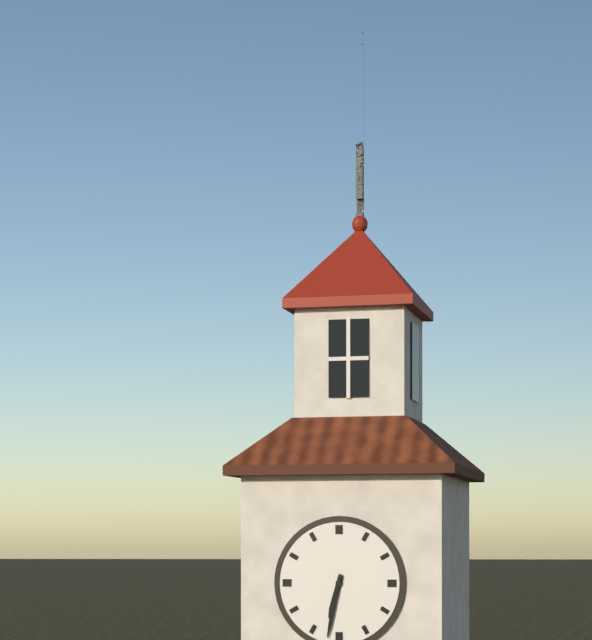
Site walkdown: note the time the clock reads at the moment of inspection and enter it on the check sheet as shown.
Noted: 6:32
